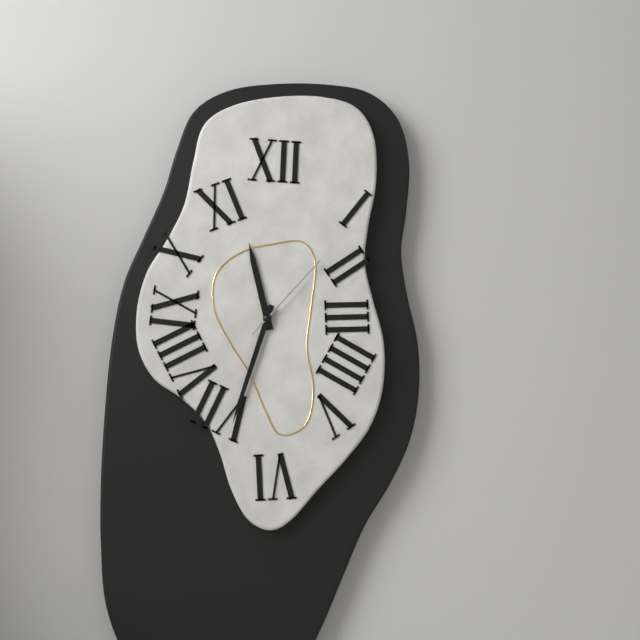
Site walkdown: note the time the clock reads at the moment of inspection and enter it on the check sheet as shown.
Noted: 11:33:07
